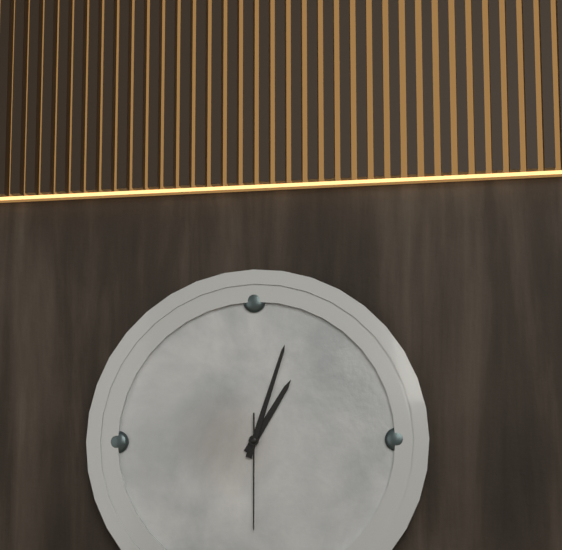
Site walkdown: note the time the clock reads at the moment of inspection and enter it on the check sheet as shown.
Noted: 1:03:30
